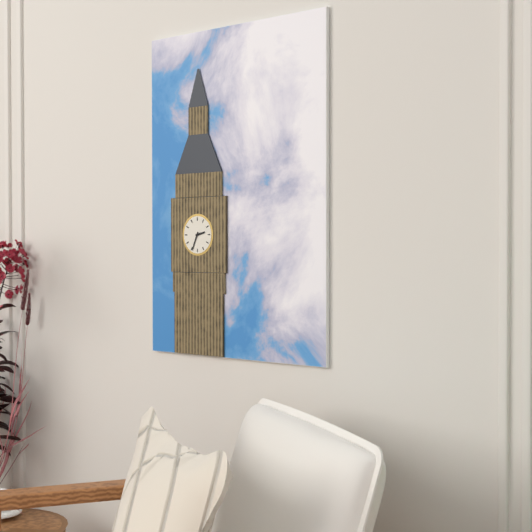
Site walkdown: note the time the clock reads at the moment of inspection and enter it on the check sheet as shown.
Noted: 2:34
